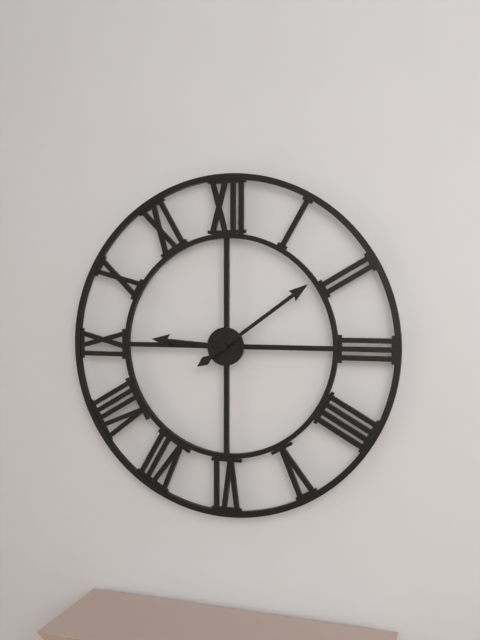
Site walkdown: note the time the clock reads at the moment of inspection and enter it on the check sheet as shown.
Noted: 9:09
